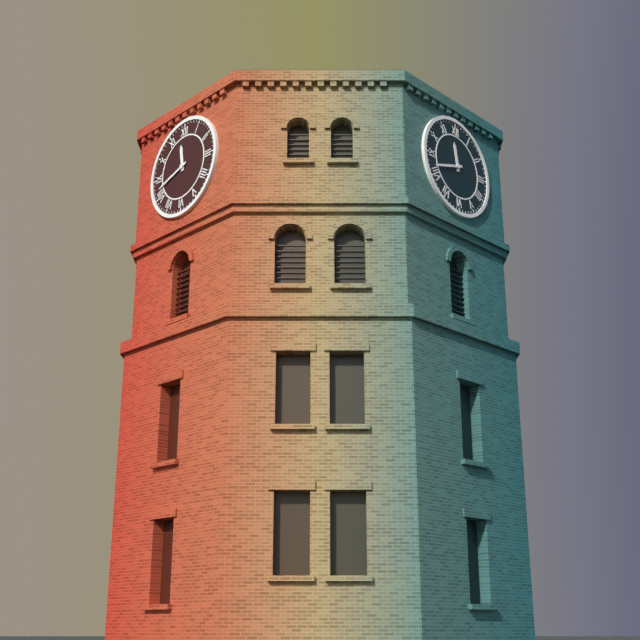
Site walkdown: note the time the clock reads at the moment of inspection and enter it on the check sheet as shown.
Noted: 11:42
